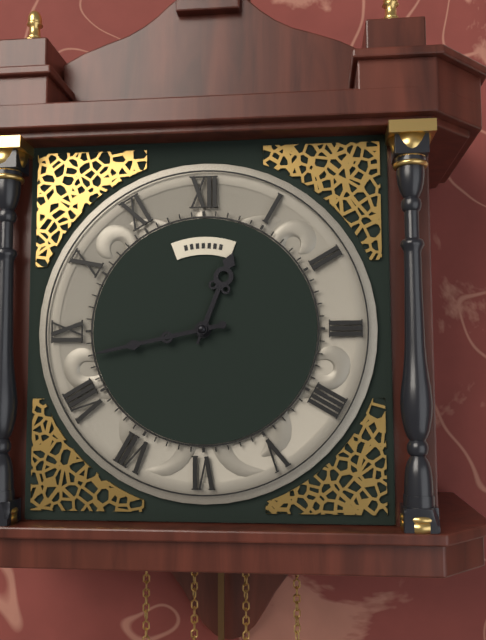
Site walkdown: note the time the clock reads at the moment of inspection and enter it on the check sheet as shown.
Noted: 12:43
